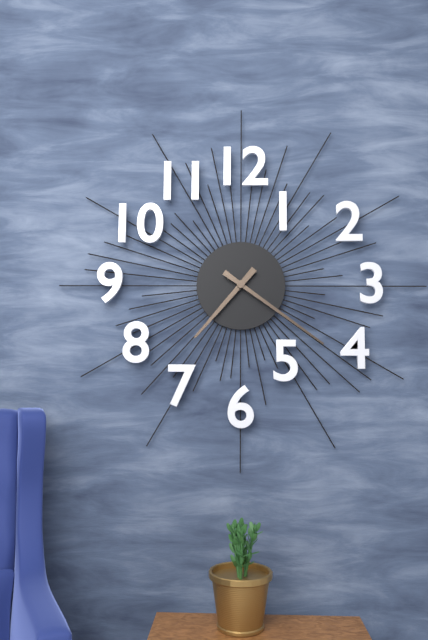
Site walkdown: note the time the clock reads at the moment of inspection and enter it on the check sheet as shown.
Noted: 7:21
